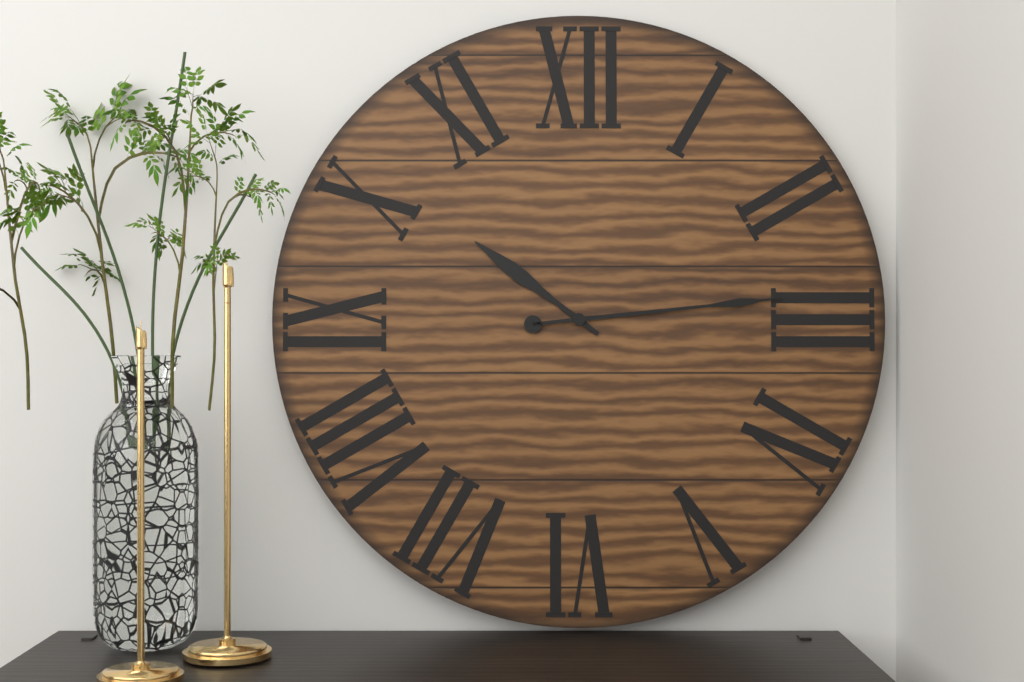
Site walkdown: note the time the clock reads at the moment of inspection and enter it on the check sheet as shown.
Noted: 10:14
